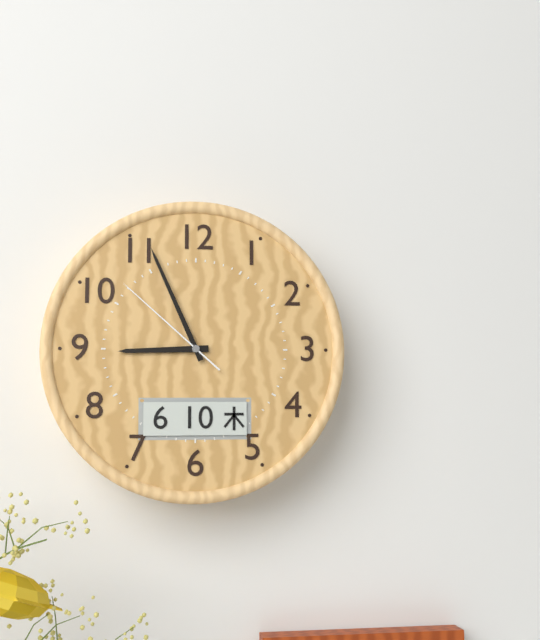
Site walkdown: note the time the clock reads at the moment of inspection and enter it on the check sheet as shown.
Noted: 8:56:52
